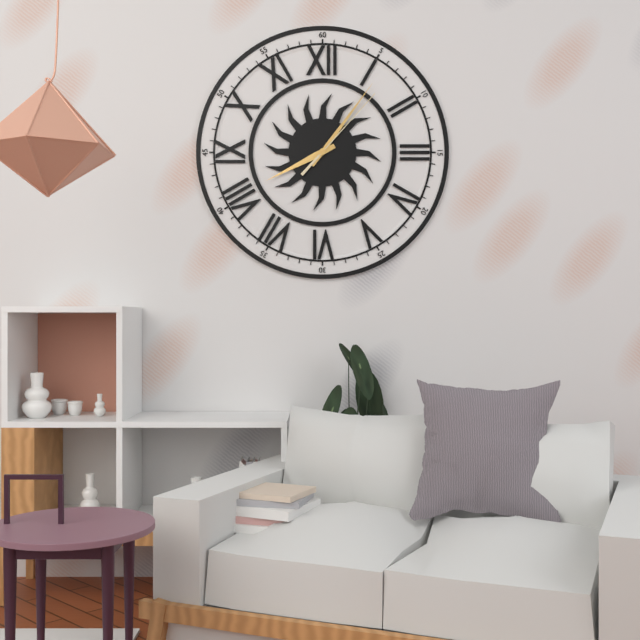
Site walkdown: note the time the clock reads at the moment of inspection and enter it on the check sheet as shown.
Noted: 8:06:07
